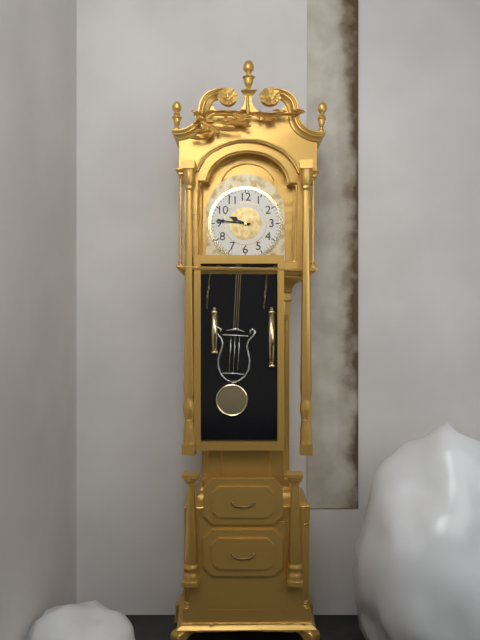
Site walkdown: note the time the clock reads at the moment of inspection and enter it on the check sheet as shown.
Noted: 9:46
